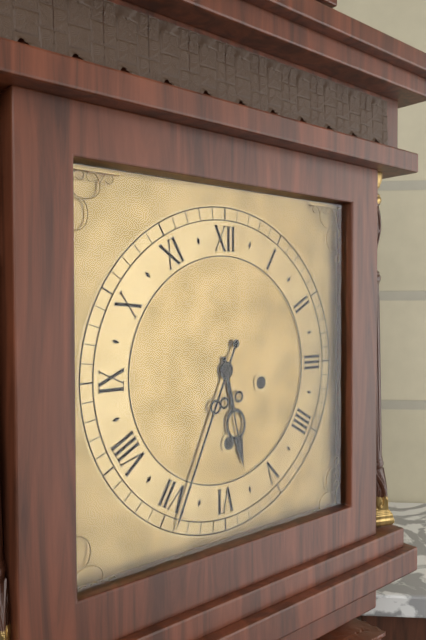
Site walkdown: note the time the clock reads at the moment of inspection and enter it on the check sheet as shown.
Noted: 5:34
